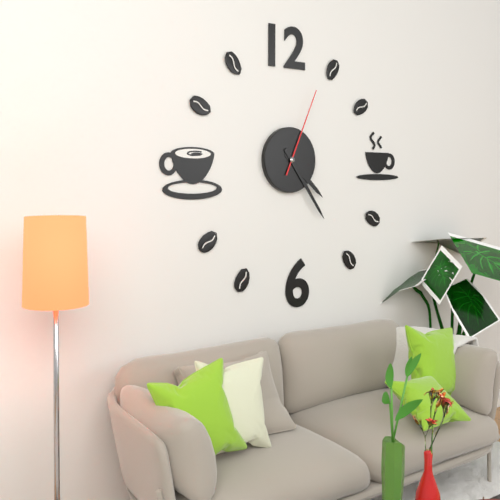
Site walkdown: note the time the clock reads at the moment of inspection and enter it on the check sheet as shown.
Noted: 4:24:04
